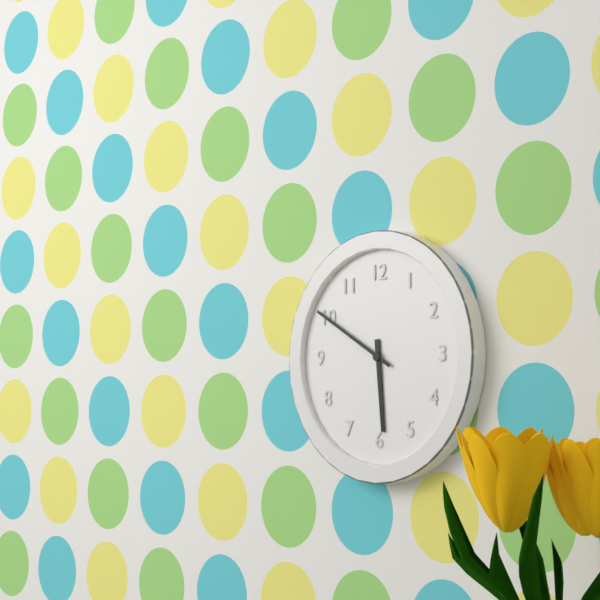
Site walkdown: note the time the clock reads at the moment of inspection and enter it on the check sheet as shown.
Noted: 5:50
